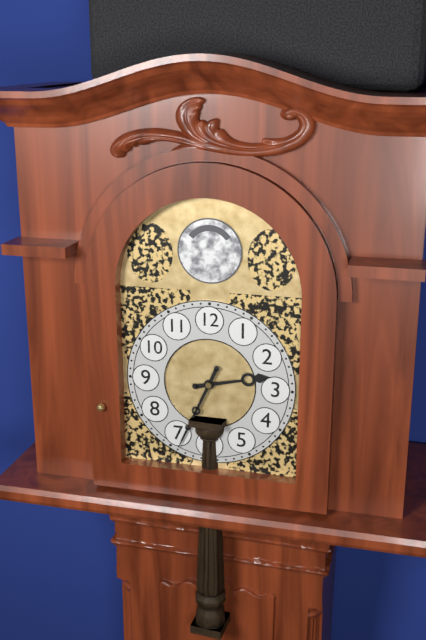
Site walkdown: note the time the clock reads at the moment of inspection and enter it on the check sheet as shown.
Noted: 2:34
